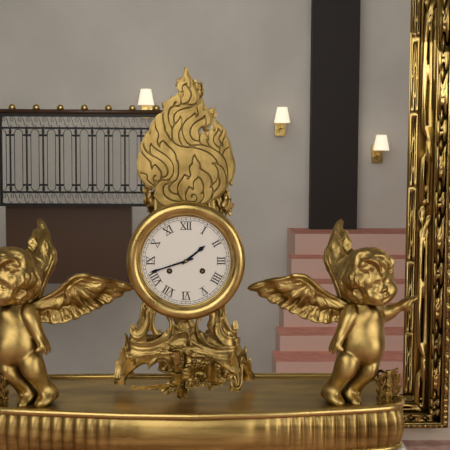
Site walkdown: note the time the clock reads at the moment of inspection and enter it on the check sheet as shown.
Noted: 1:42
